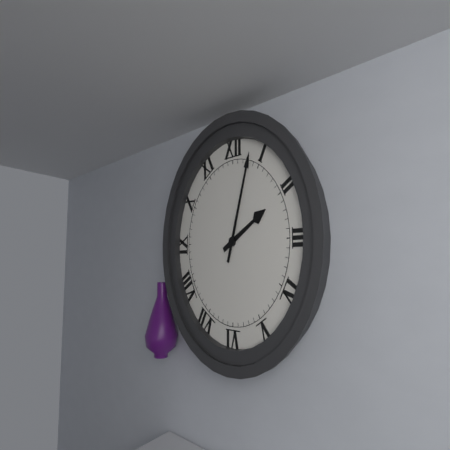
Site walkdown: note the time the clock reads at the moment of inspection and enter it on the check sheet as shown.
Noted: 2:03
